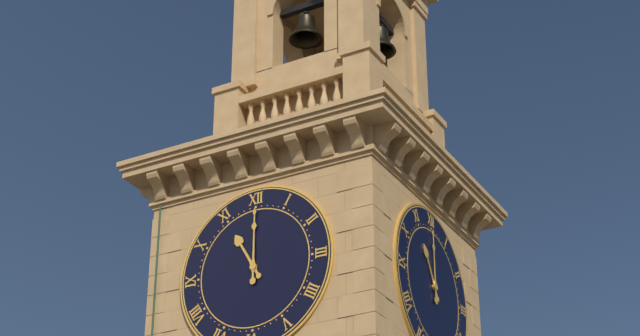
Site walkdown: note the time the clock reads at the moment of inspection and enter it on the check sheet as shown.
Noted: 11:00
